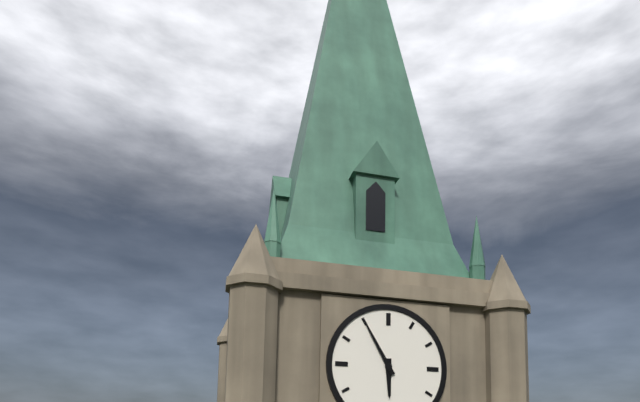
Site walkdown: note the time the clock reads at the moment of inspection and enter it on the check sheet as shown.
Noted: 5:55
